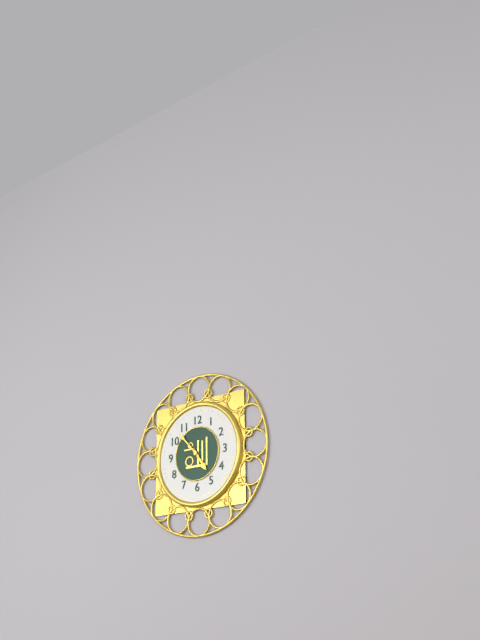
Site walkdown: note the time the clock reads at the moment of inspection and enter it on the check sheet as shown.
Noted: 4:53
